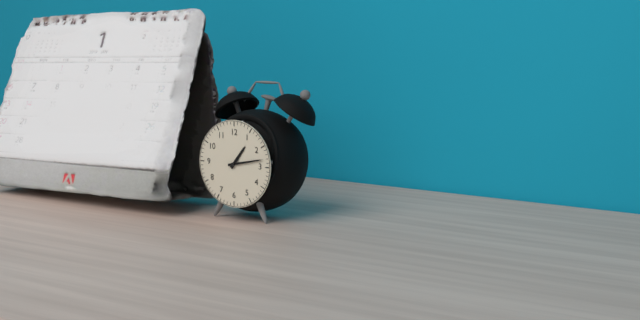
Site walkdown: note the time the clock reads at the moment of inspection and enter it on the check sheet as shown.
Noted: 1:13
